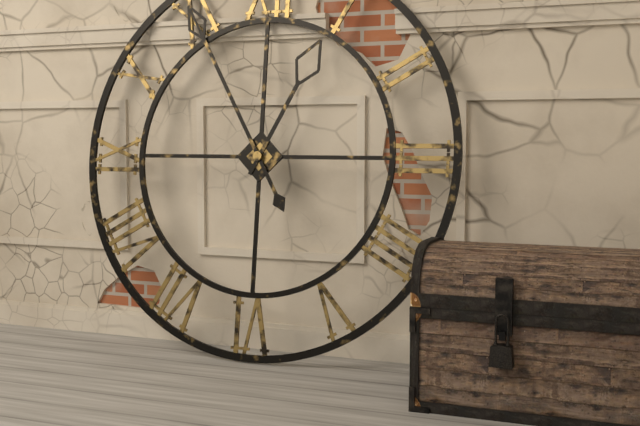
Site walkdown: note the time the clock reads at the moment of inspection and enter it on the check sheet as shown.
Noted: 12:55
